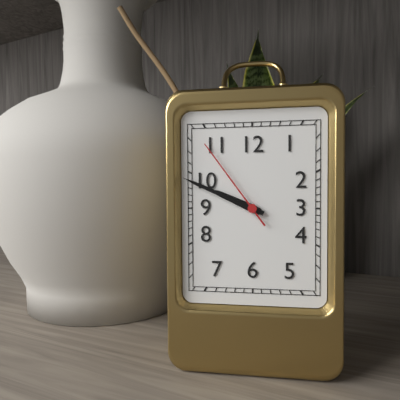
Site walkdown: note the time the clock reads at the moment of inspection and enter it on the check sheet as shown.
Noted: 9:49:54
